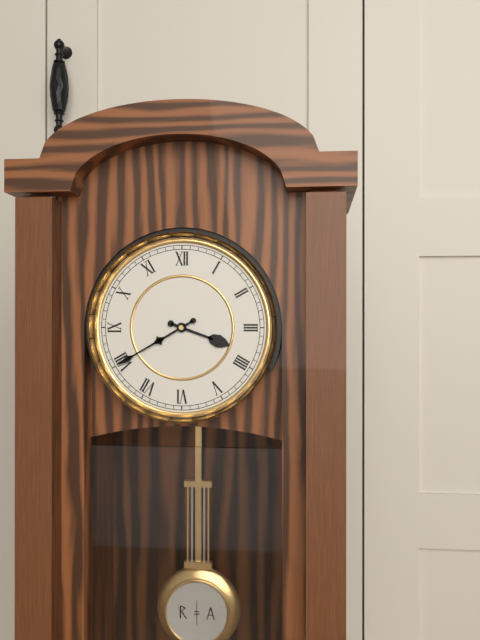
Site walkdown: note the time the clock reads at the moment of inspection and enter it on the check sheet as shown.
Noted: 3:40
